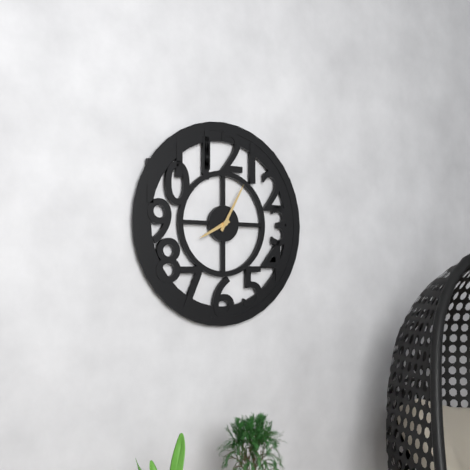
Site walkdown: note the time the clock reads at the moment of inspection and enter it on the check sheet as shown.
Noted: 8:05
